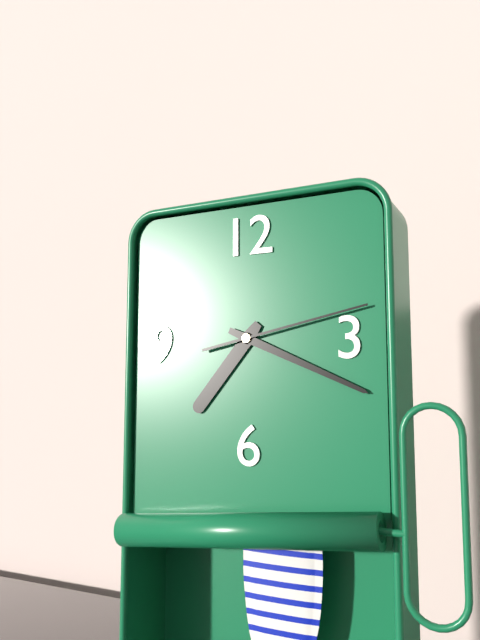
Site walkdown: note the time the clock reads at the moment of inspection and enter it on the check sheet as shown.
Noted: 7:19:13
